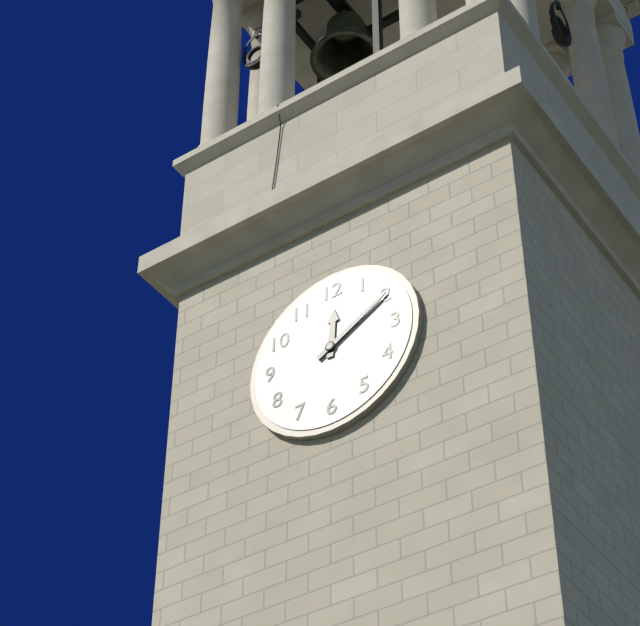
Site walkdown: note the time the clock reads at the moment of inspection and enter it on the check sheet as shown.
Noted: 12:10
